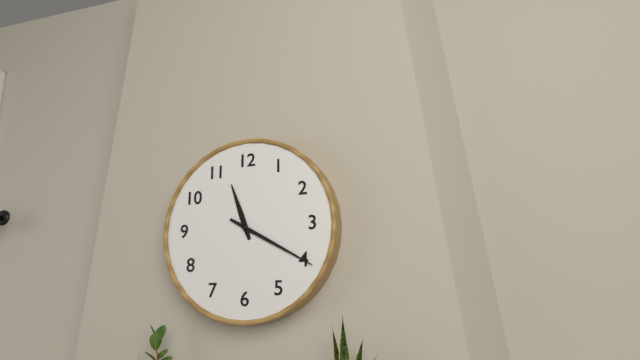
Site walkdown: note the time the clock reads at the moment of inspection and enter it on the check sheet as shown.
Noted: 11:20
